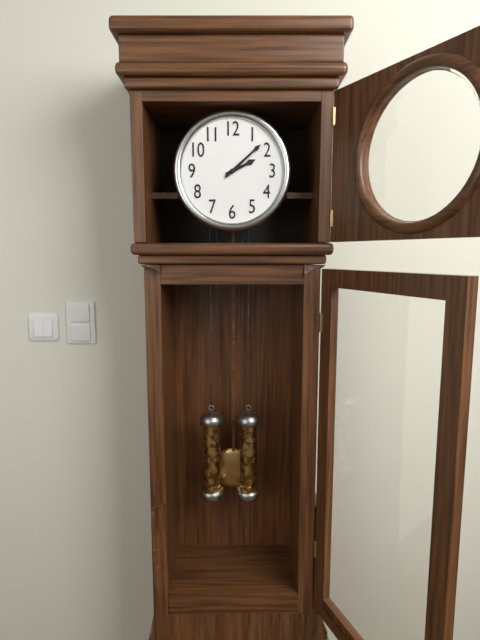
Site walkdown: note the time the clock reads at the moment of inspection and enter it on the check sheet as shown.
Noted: 2:08
